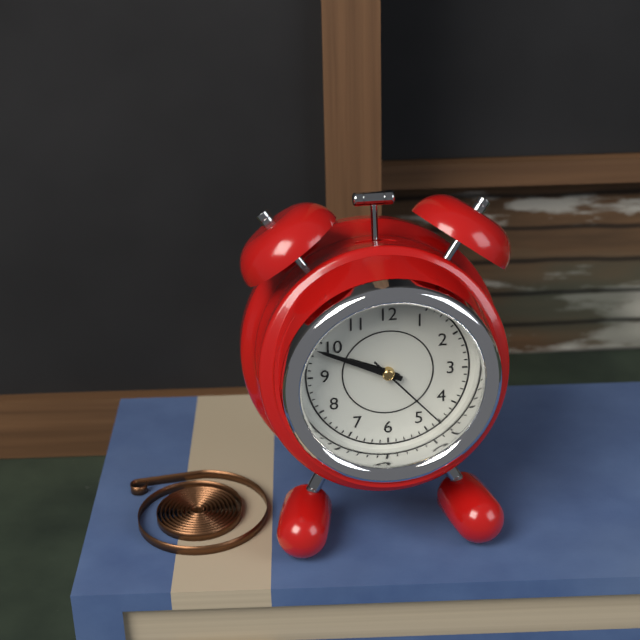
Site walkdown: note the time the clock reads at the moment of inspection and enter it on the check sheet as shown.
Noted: 9:49:23
